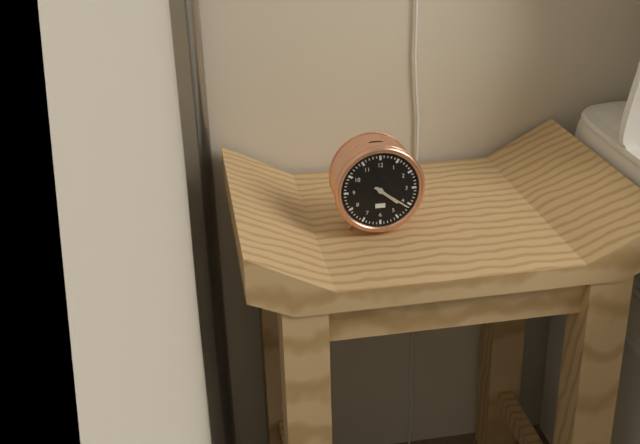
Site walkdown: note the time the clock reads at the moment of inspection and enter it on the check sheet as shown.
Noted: 4:21
